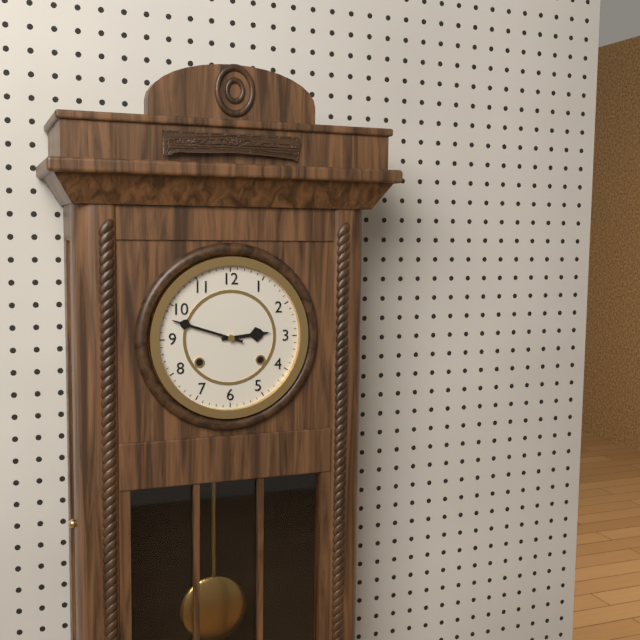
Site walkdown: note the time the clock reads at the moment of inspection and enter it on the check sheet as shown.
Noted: 2:48
